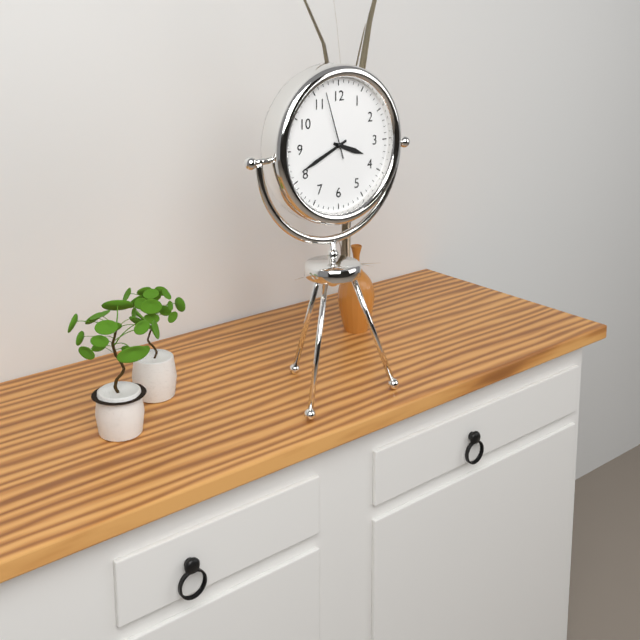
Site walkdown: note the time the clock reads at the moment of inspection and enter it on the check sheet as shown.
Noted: 3:41:57
